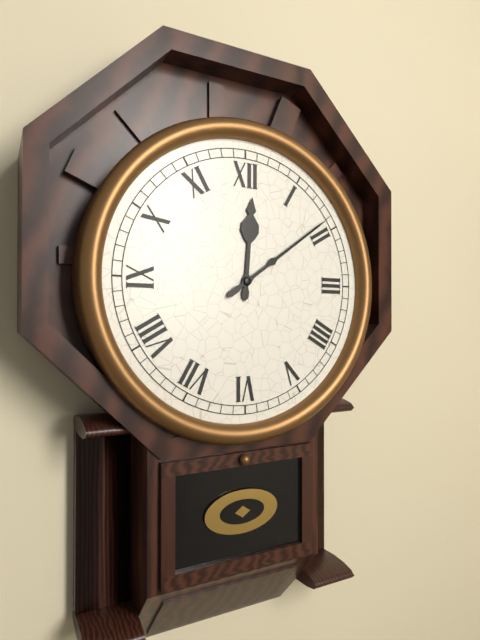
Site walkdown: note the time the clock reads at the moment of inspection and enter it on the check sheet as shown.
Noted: 12:09
